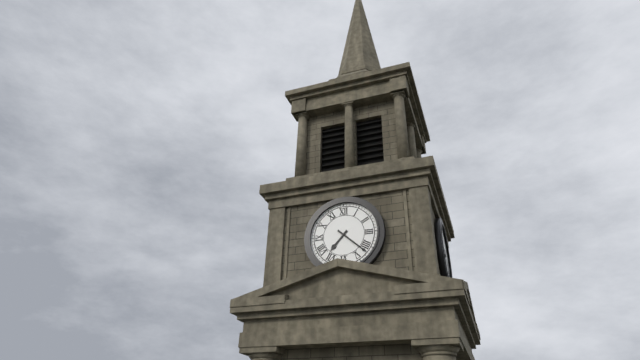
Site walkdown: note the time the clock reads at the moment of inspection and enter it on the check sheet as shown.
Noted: 7:22
